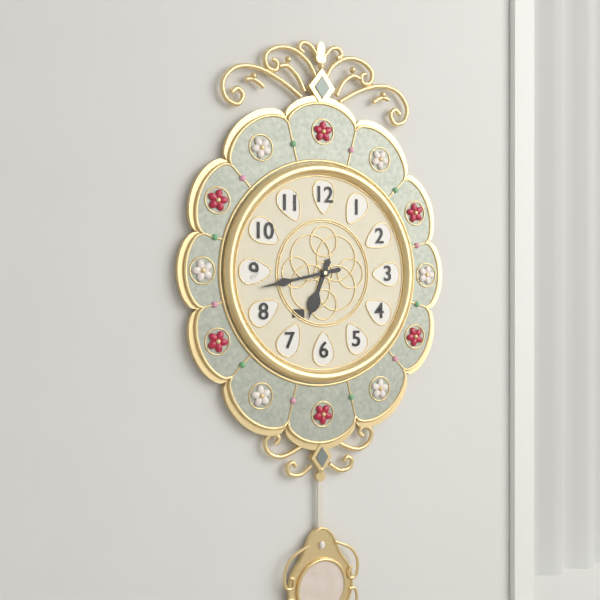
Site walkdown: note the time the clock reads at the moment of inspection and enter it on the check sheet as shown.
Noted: 6:43
